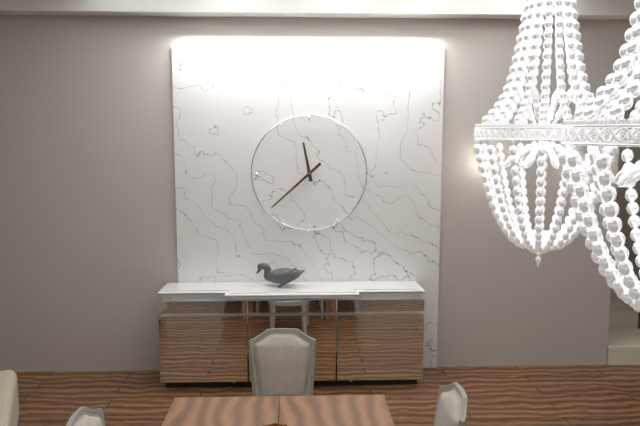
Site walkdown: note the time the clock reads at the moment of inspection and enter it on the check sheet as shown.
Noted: 11:38
